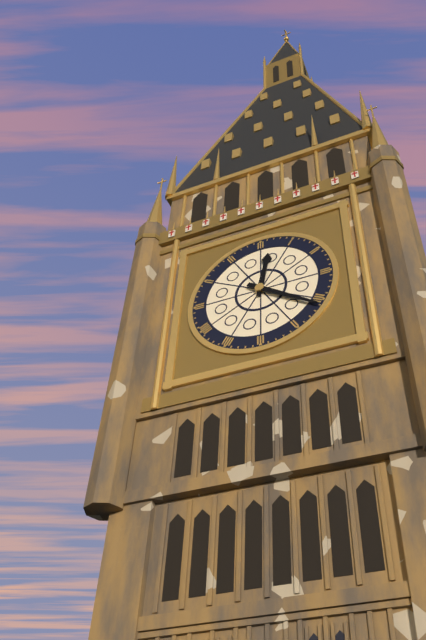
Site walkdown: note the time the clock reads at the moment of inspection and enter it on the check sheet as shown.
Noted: 12:21
